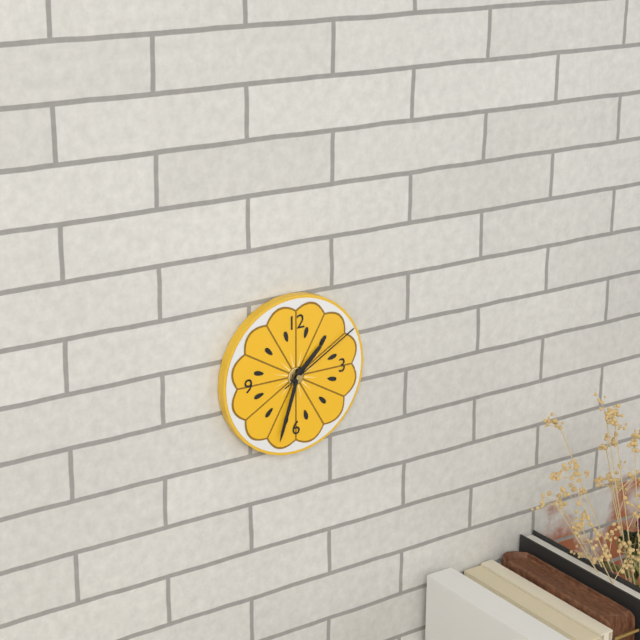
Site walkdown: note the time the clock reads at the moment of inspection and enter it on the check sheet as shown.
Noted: 1:33:10
